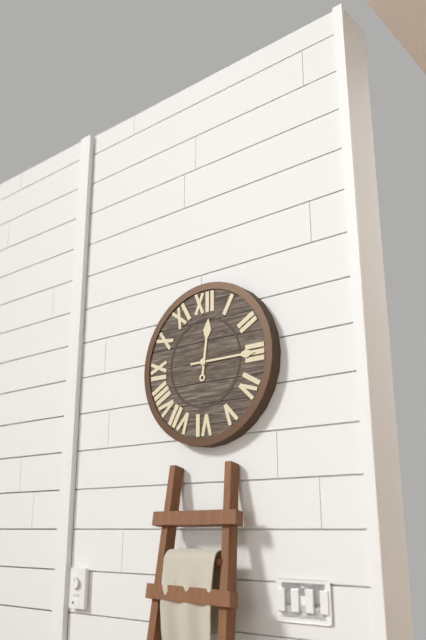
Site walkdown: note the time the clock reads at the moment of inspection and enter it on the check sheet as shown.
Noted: 12:15
